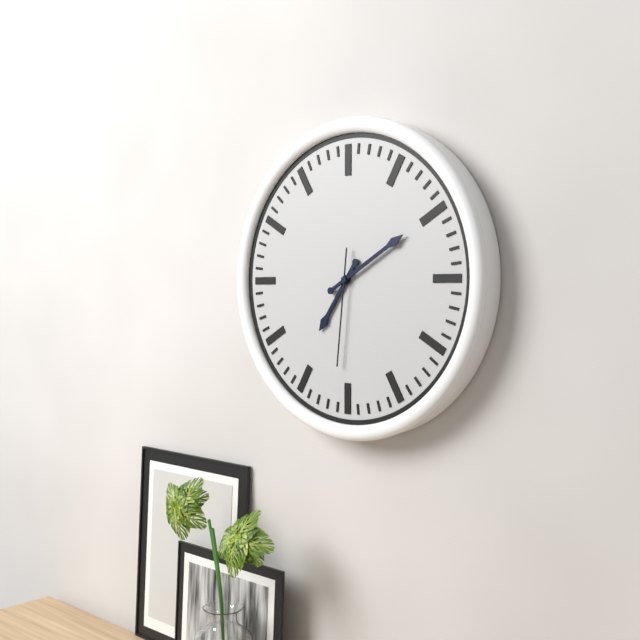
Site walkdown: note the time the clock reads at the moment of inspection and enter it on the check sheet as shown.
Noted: 7:10:31
